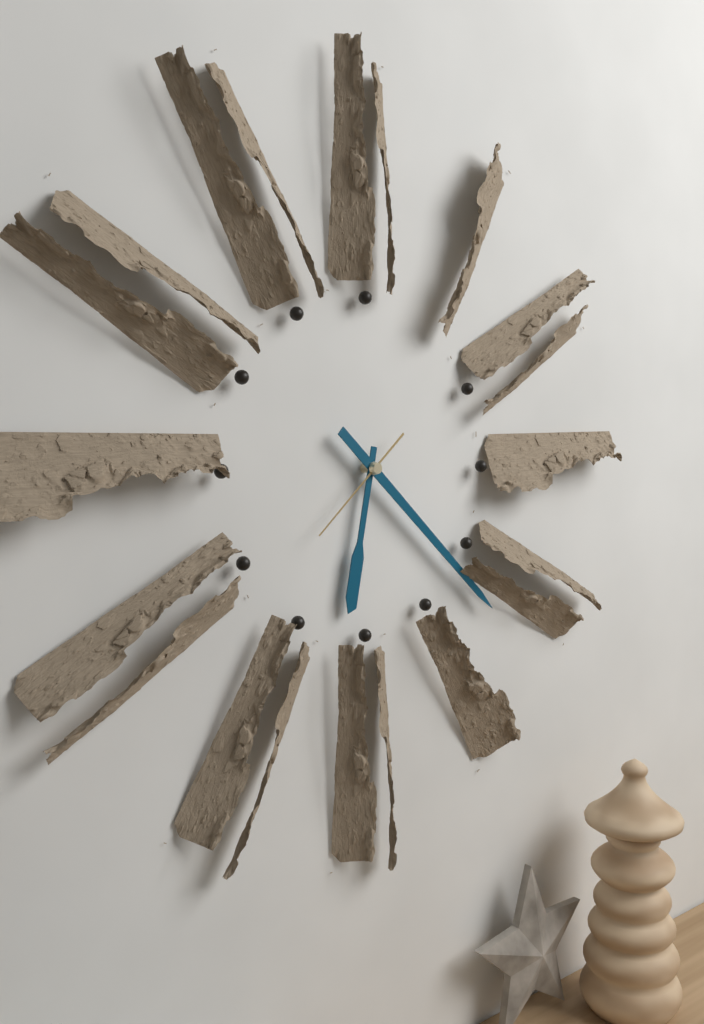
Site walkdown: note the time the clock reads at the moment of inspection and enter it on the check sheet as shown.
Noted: 6:22:38
